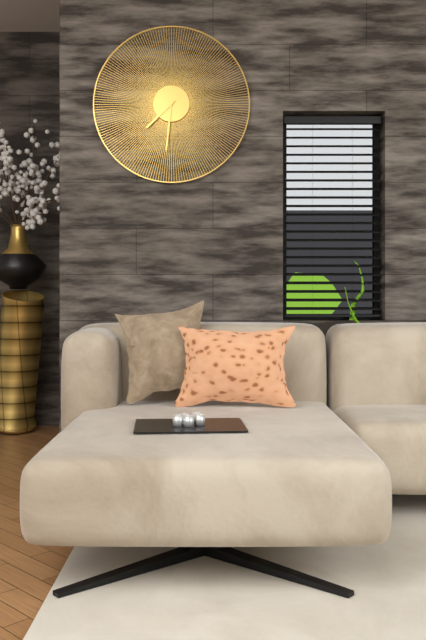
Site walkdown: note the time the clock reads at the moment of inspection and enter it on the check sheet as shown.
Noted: 7:31
